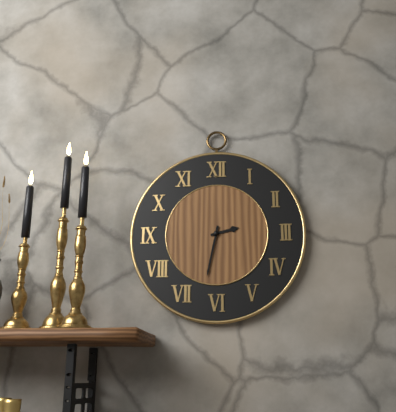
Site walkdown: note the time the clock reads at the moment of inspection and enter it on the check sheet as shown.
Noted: 2:32
